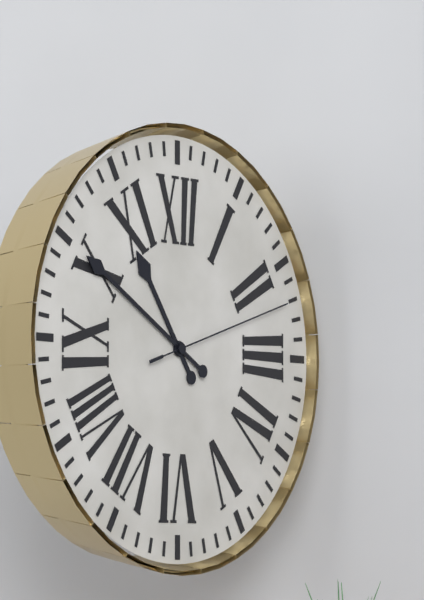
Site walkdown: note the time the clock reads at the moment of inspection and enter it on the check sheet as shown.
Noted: 10:50:12
